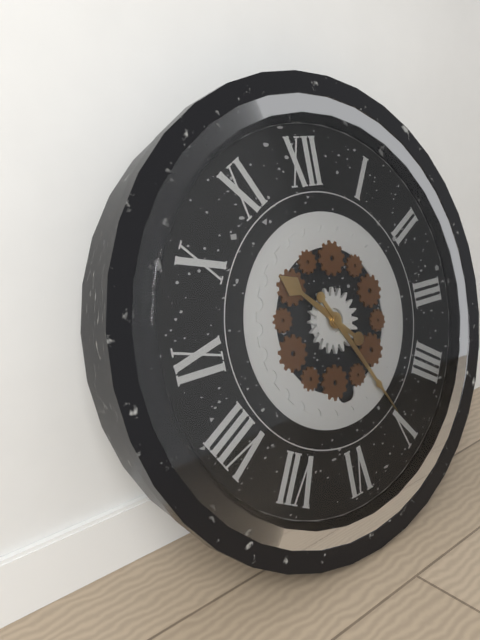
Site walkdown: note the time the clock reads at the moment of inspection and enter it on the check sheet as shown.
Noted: 10:25
